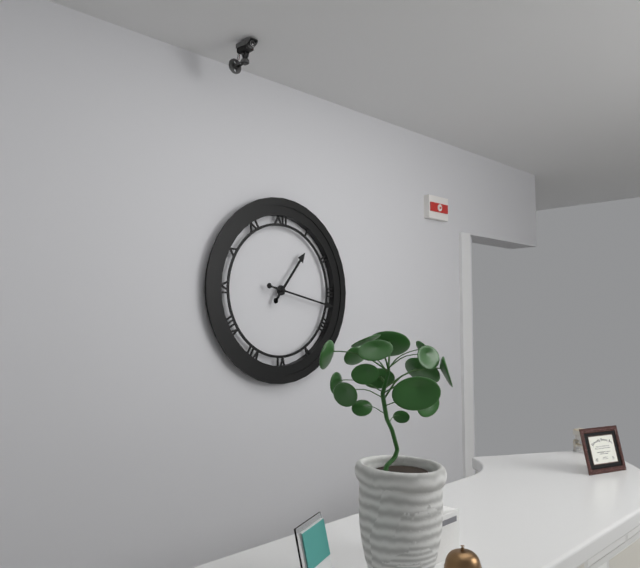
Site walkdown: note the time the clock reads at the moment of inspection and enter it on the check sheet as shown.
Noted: 1:17
